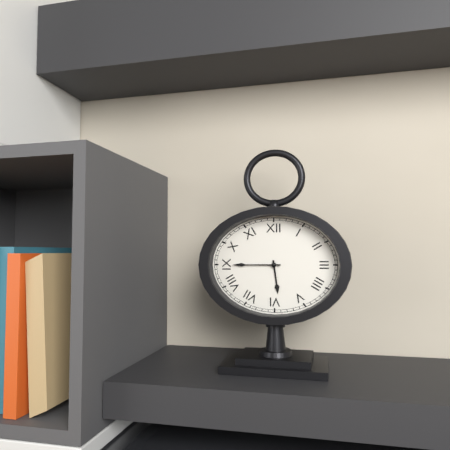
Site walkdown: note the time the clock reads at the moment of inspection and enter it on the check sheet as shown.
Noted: 5:45
